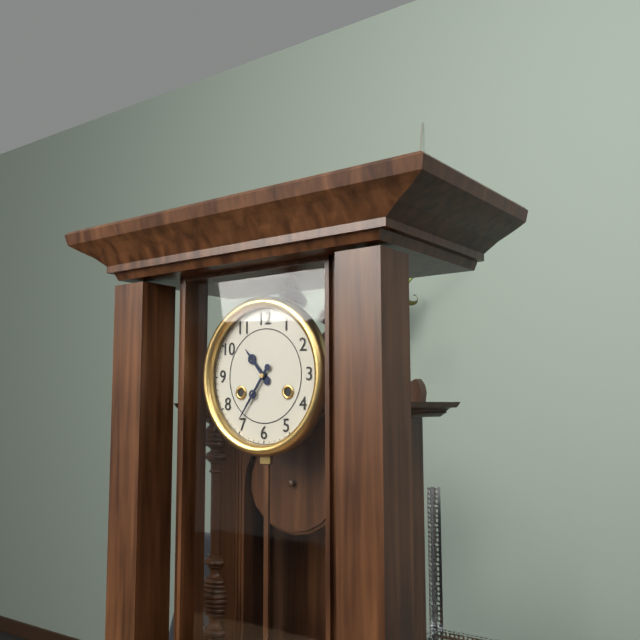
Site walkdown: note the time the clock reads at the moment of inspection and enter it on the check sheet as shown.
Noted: 10:36
